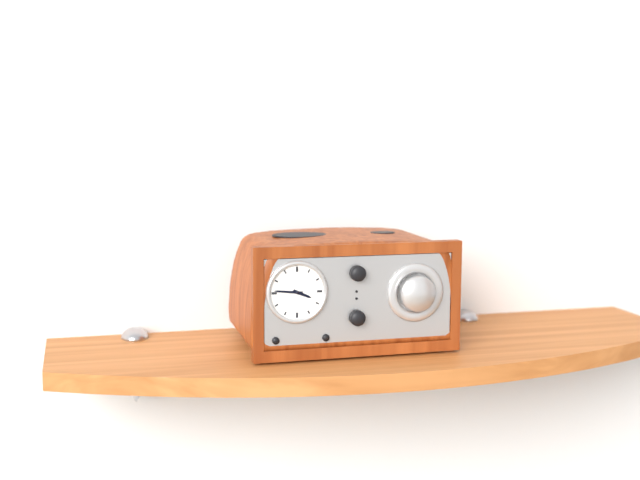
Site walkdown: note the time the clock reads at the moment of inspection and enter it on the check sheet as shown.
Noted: 3:46
